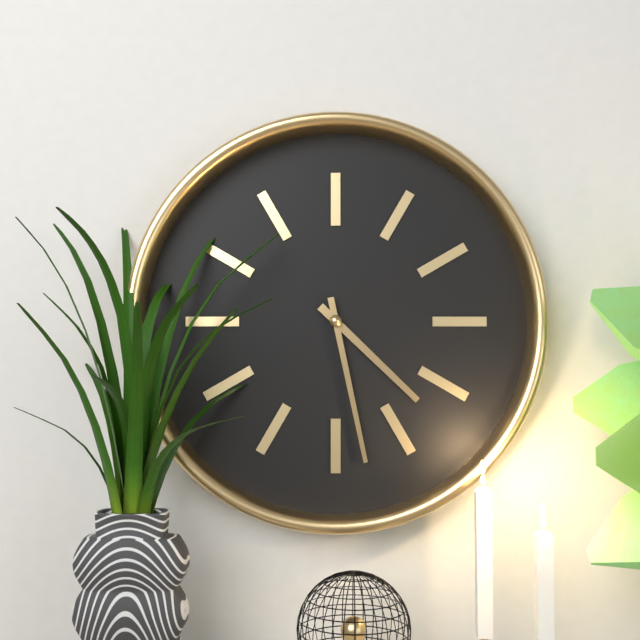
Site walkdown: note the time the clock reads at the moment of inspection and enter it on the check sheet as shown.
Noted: 4:28
